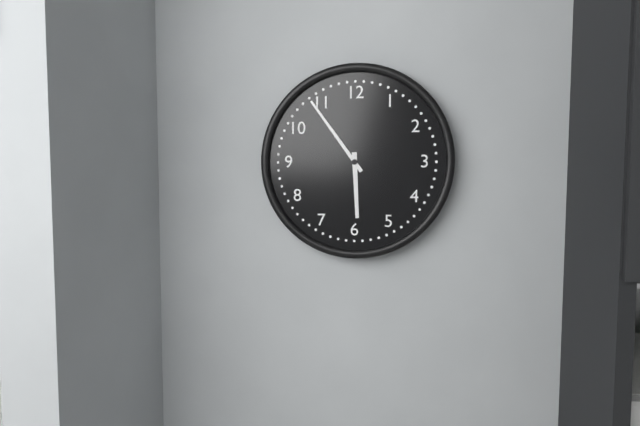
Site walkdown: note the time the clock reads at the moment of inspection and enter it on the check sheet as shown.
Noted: 5:54
